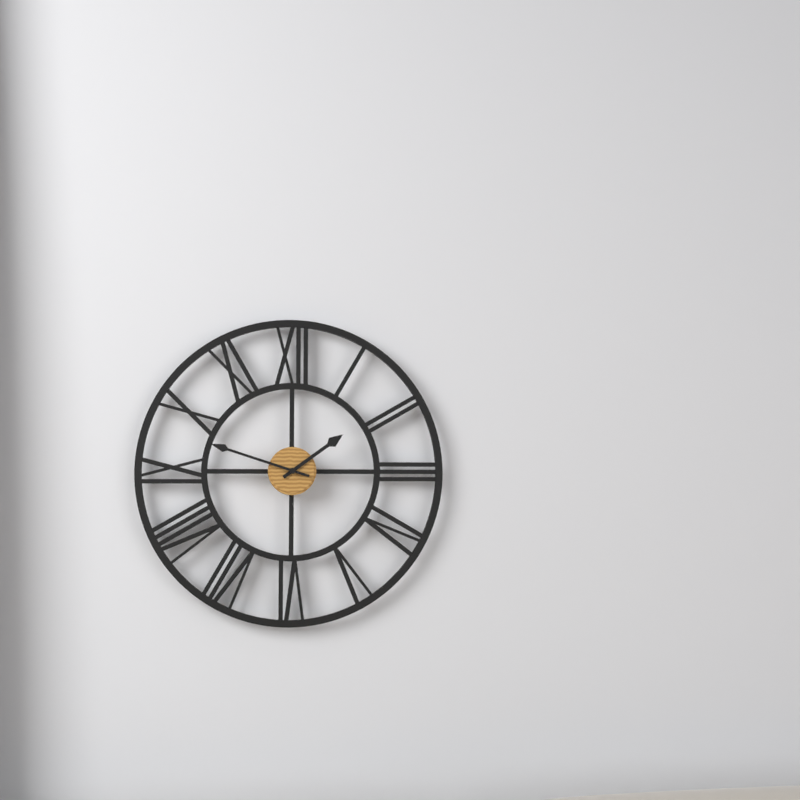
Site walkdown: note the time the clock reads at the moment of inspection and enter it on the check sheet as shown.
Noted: 1:48
